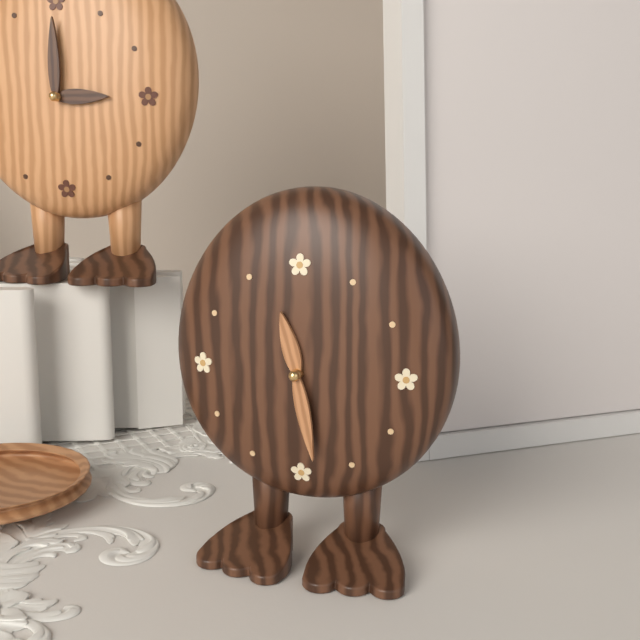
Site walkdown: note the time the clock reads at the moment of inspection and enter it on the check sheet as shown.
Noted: 11:28
